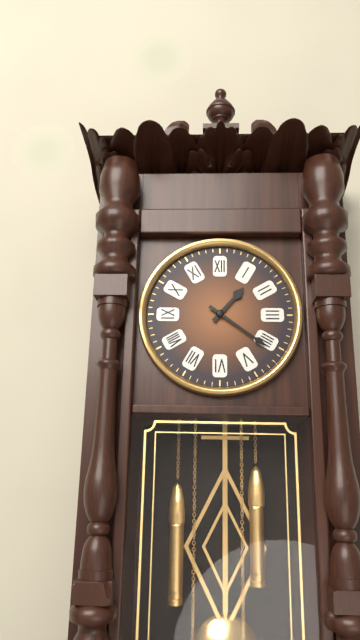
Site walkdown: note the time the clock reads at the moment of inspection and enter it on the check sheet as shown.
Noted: 1:21
